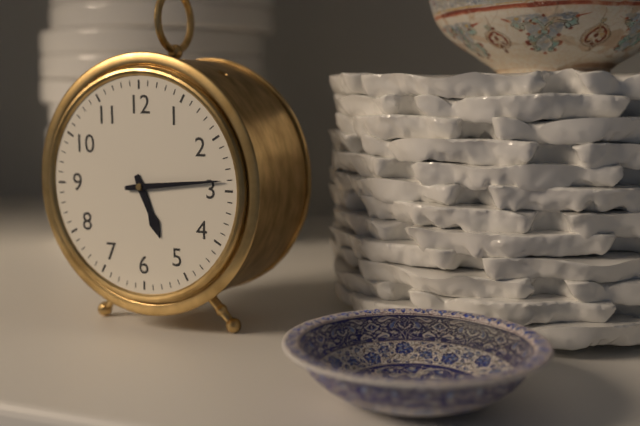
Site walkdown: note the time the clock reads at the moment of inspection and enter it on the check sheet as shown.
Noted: 5:14
